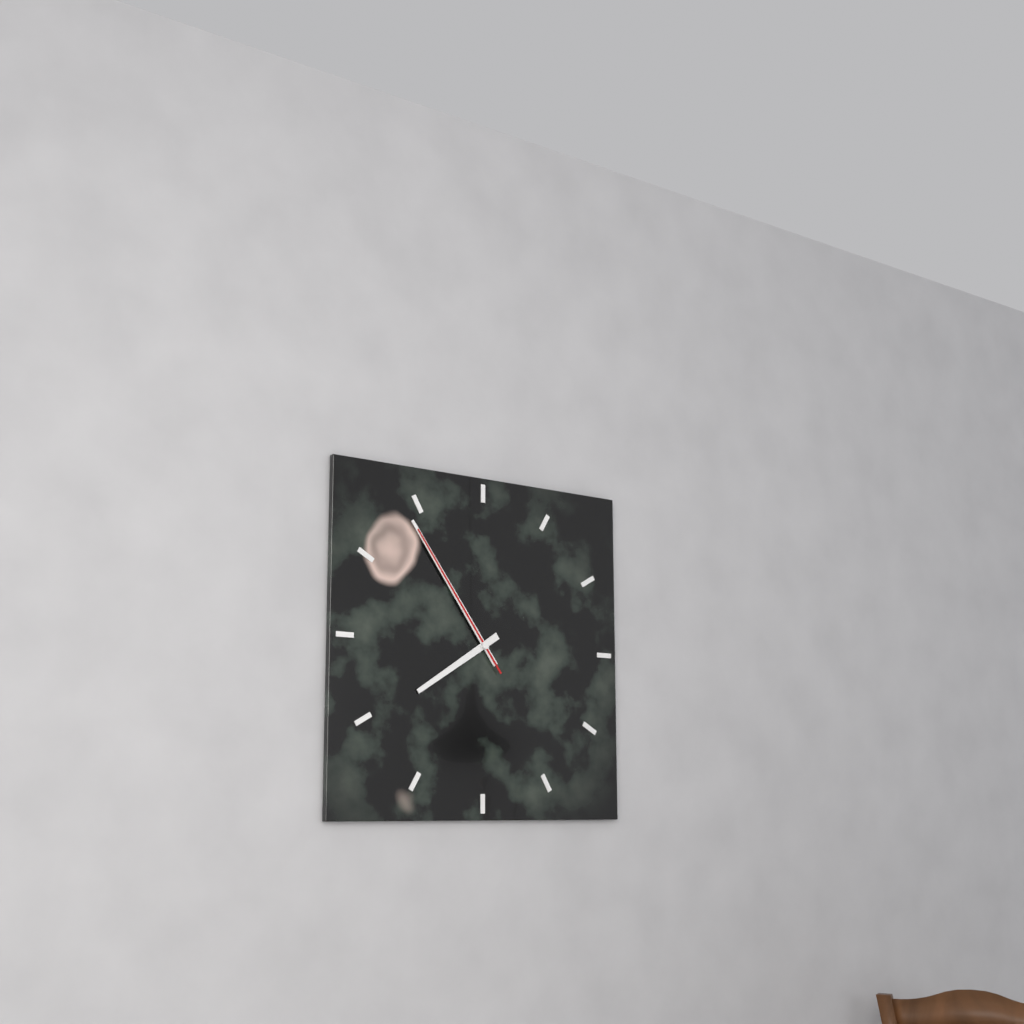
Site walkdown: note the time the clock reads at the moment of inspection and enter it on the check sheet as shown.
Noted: 7:54:54
